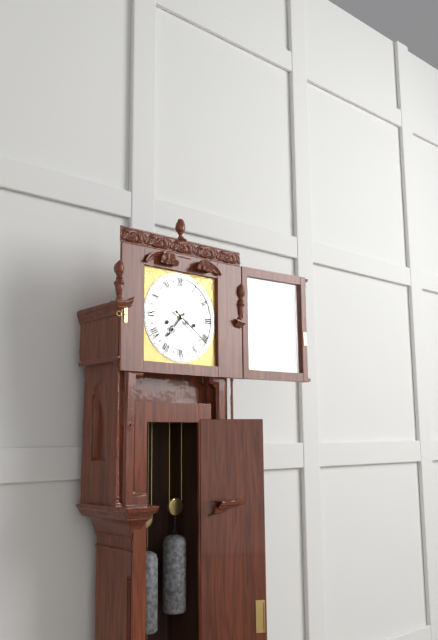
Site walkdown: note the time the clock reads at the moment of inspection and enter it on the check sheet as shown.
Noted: 7:21
